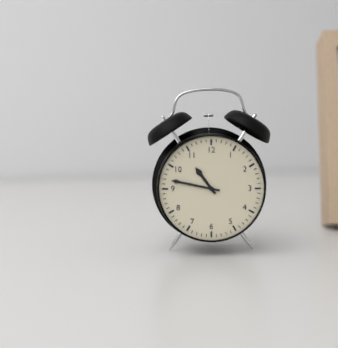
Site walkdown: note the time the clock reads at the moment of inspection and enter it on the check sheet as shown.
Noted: 10:47
